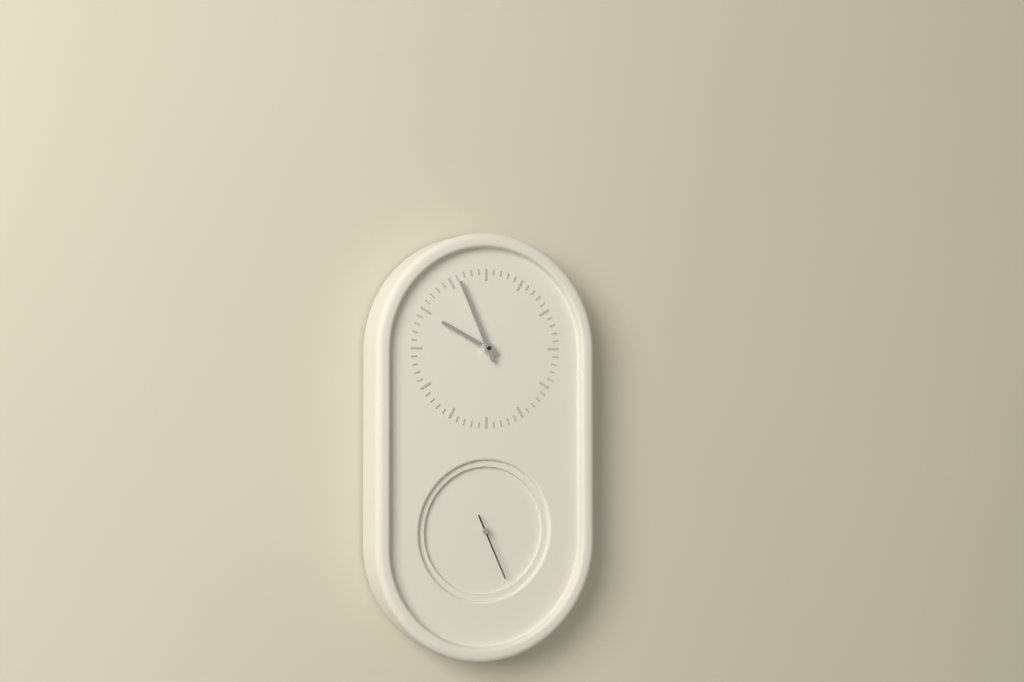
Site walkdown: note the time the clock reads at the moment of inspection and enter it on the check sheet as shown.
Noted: 9:56:26
